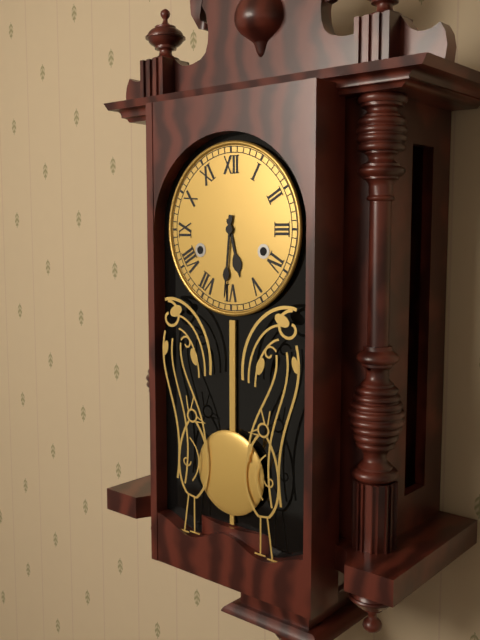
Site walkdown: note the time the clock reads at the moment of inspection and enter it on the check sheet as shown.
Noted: 5:31
